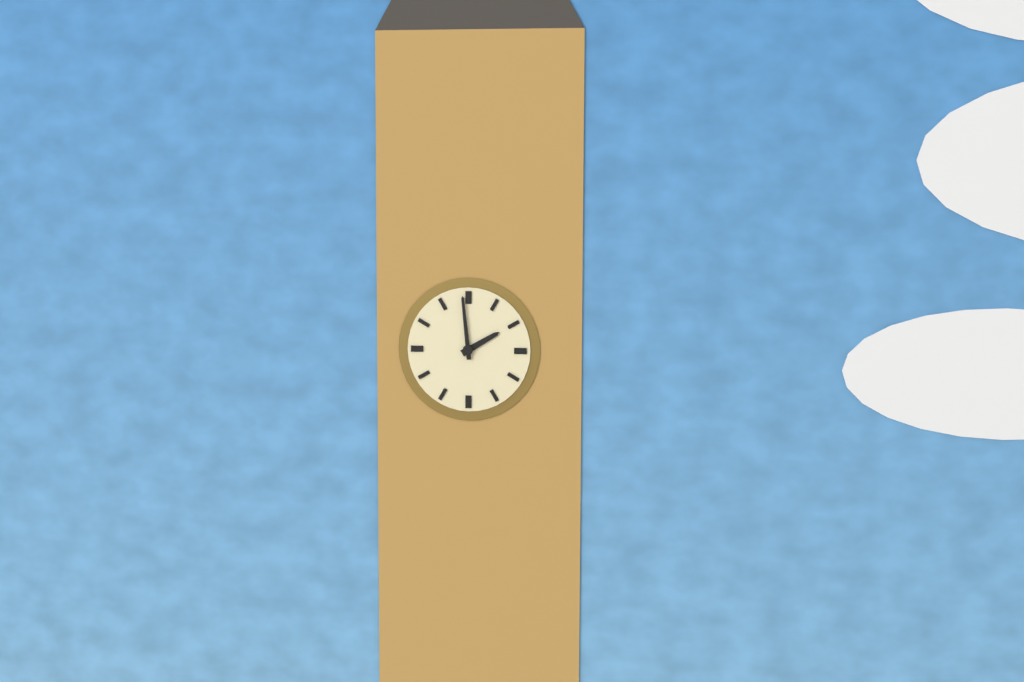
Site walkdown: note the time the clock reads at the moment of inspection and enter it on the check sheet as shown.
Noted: 1:59
